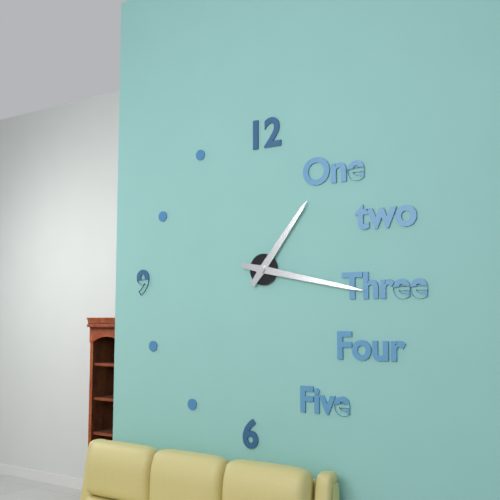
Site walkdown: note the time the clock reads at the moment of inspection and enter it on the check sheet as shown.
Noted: 1:17
